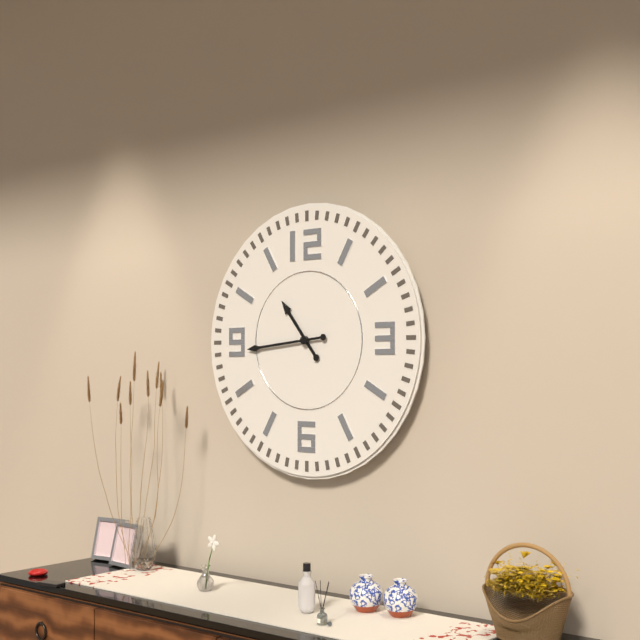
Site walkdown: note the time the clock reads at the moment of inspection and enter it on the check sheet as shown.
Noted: 10:44
